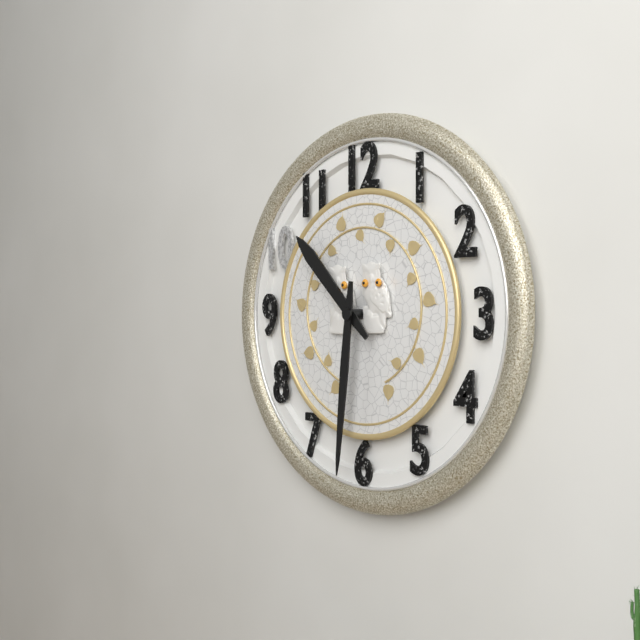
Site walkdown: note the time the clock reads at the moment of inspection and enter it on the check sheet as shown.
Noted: 10:31
